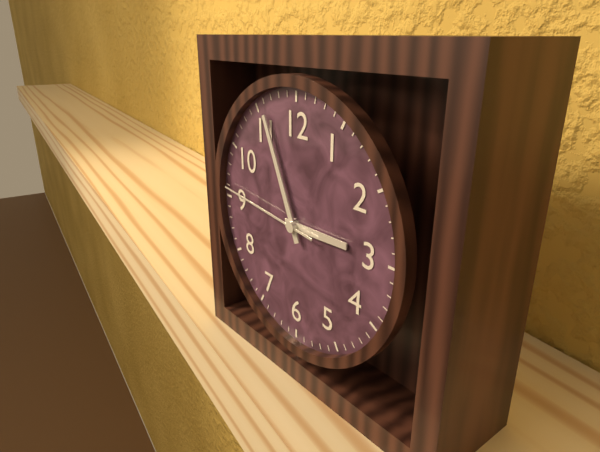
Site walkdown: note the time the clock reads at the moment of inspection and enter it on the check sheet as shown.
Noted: 2:56:46
